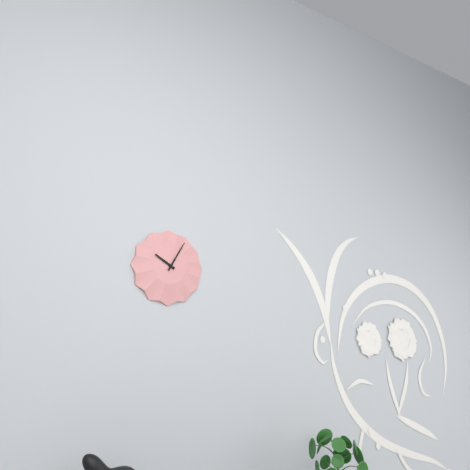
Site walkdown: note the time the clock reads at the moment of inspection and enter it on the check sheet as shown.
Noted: 10:05
